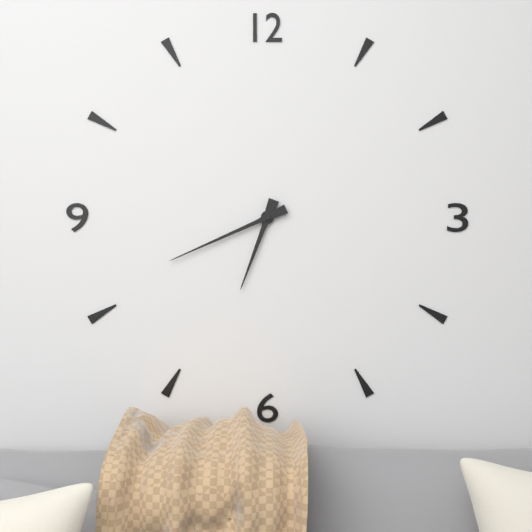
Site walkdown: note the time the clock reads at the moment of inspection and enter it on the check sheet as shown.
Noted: 6:41
